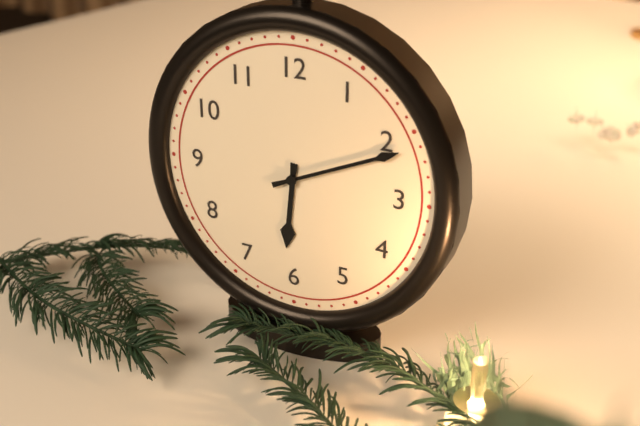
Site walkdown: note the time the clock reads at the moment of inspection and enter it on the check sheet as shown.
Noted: 6:11
